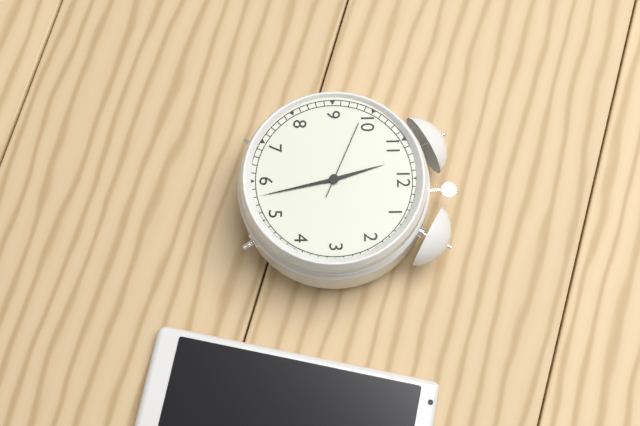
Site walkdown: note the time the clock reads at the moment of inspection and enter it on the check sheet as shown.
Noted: 11:28:49
